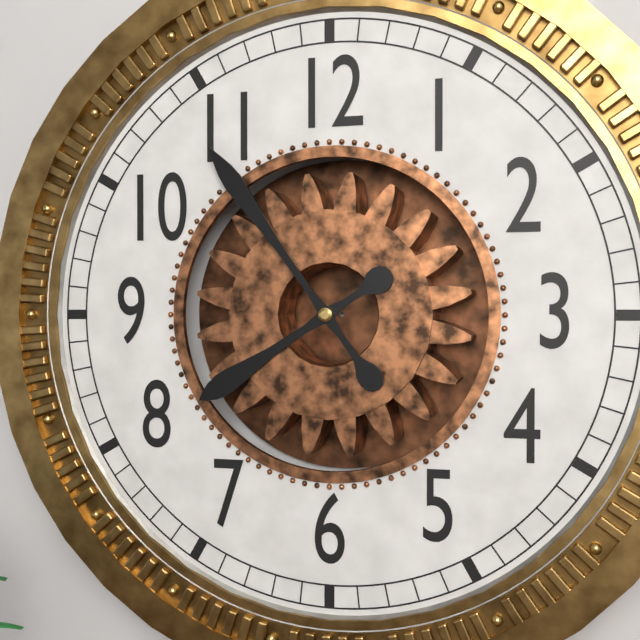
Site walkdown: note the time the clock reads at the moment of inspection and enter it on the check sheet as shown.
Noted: 7:54
